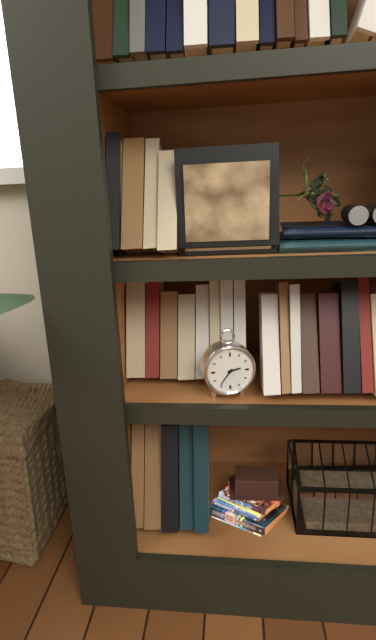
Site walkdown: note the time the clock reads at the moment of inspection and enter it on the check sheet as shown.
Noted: 2:36
